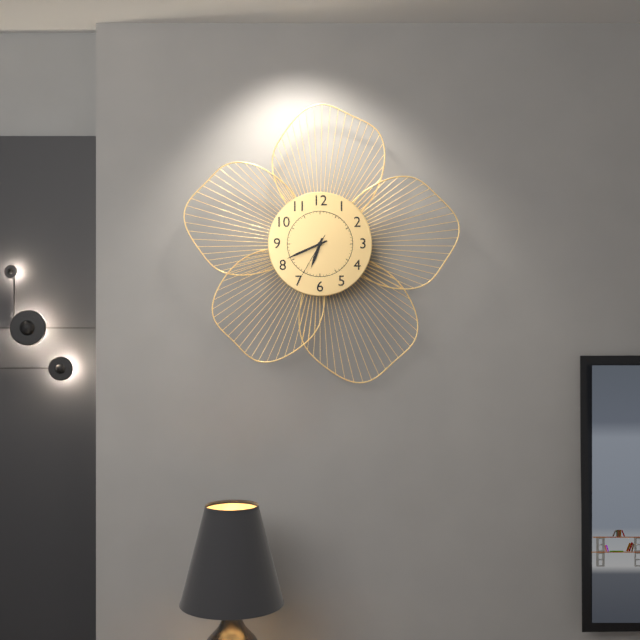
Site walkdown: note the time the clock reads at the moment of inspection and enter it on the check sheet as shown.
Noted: 6:41
